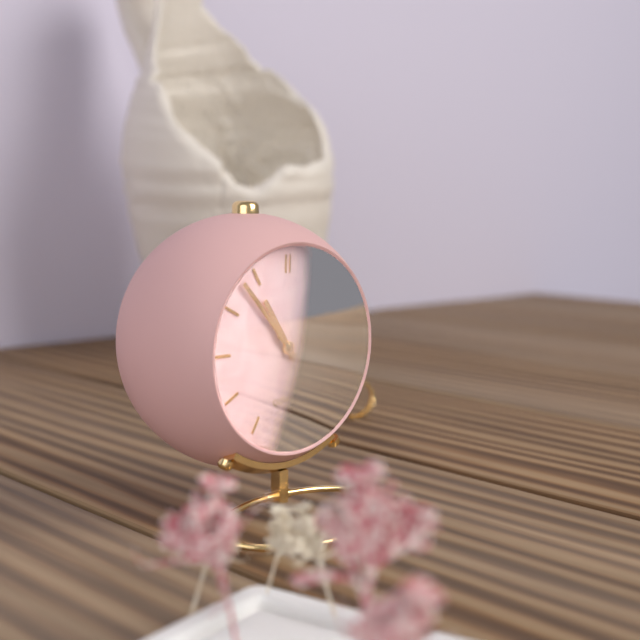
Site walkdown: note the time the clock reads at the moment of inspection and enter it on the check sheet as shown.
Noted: 10:53:21
